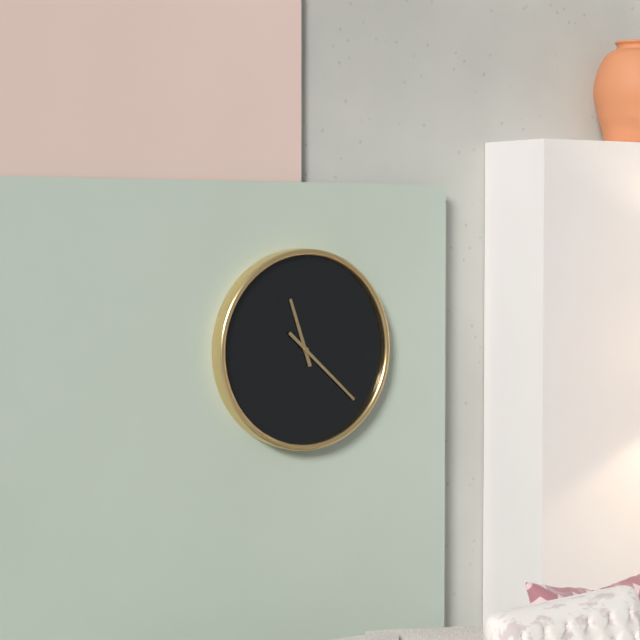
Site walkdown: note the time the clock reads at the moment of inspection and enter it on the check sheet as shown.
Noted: 11:22
